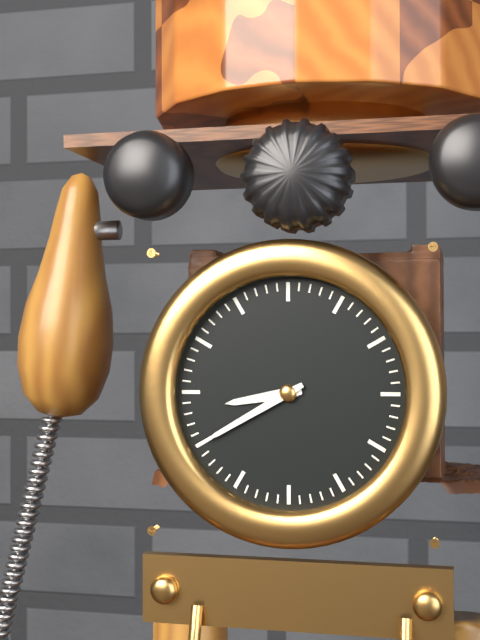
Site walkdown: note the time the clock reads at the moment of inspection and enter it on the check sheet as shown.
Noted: 8:40
